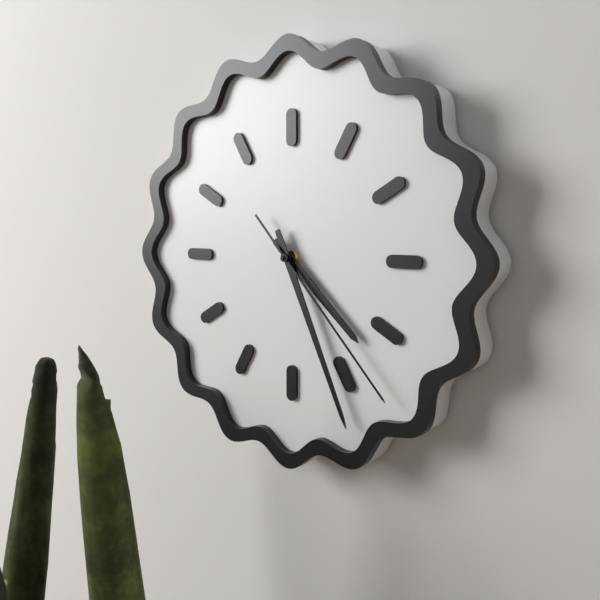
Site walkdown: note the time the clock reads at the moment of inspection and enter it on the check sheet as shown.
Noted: 4:26:23
